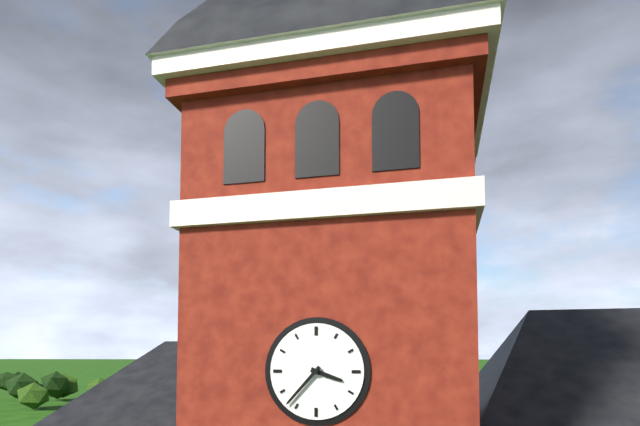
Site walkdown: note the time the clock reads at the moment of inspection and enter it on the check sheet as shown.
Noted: 3:37
